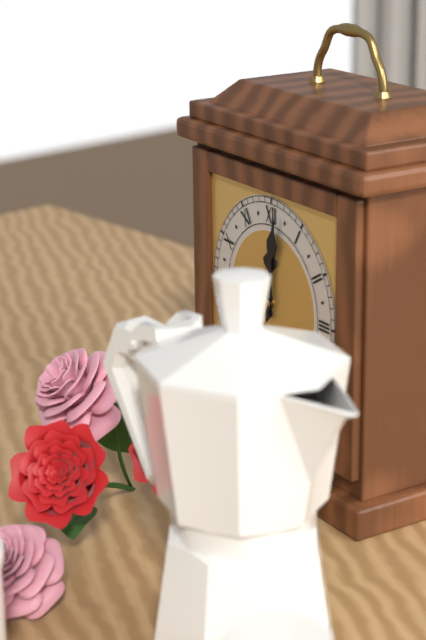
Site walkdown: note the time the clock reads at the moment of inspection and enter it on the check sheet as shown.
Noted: 12:01
